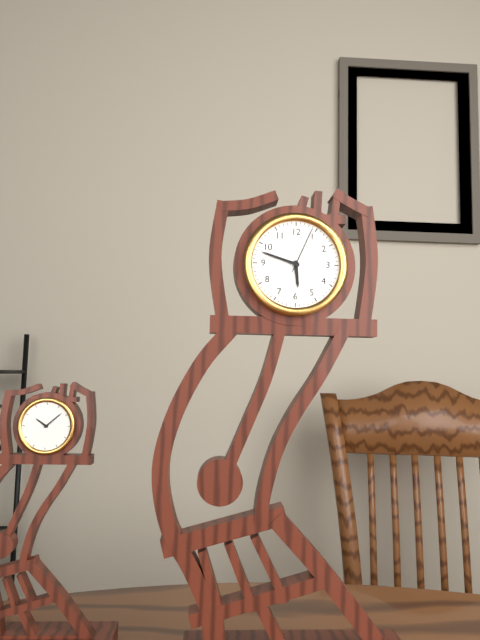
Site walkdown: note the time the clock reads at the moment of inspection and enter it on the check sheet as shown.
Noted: 5:48
